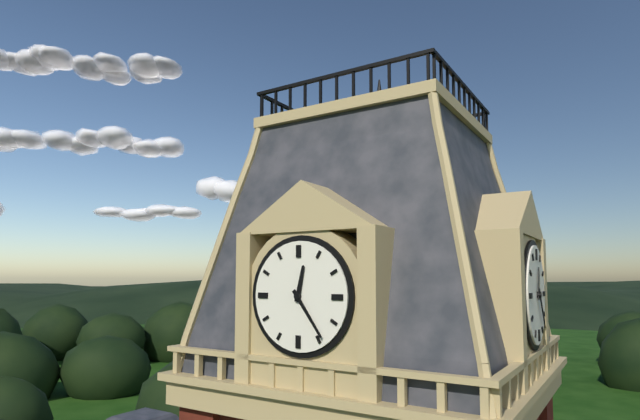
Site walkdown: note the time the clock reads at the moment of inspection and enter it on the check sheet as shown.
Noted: 12:24
